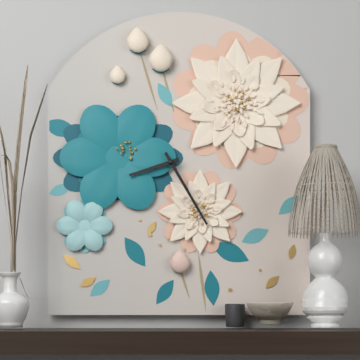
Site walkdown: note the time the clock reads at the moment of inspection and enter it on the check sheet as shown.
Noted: 8:25
